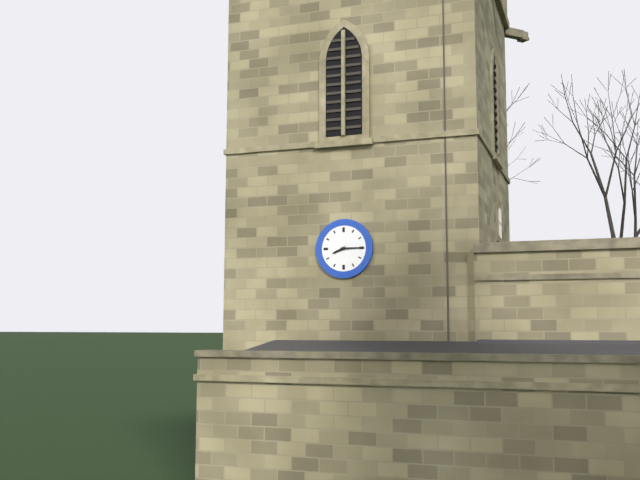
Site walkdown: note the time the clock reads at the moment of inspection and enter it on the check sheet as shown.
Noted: 8:15
